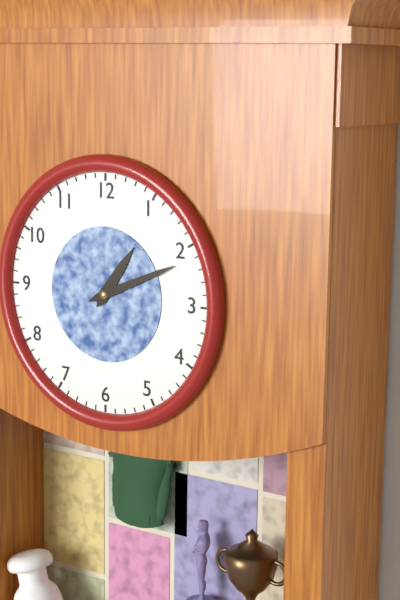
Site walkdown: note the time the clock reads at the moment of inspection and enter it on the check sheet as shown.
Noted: 1:11
